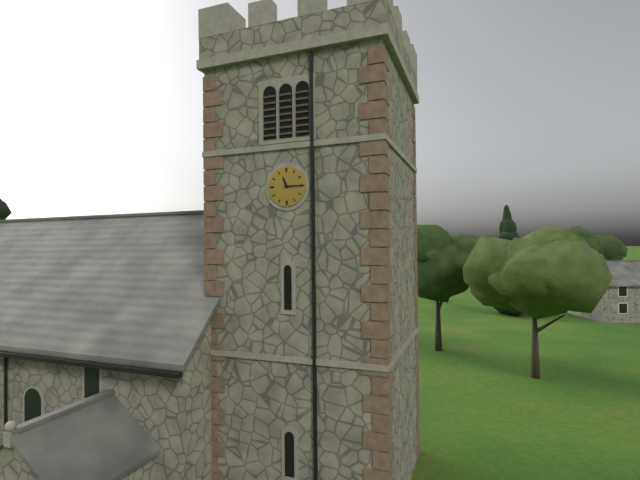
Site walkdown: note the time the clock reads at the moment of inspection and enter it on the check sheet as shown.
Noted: 11:15
